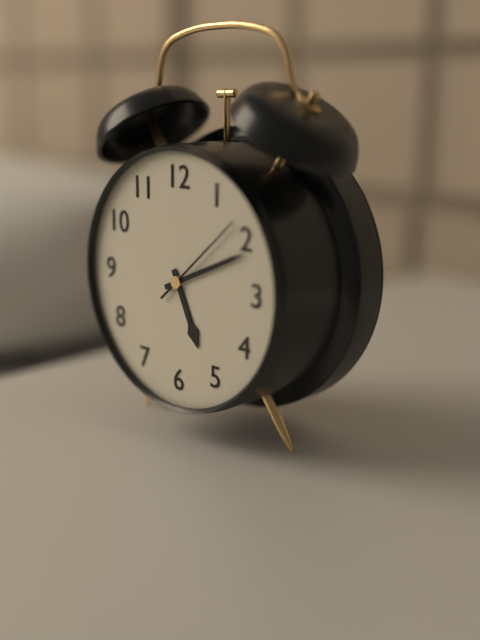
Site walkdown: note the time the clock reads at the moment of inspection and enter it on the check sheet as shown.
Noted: 5:11:08
